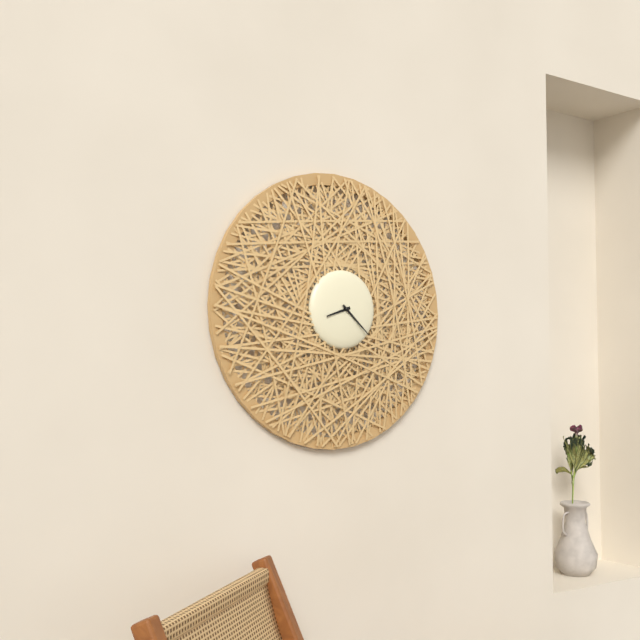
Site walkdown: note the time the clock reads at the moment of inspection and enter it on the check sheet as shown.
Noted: 8:22
